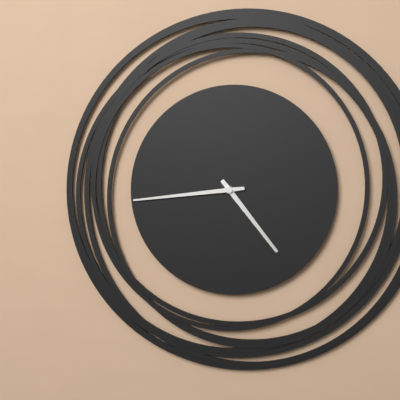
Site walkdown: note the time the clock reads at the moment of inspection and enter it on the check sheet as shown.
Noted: 4:44
